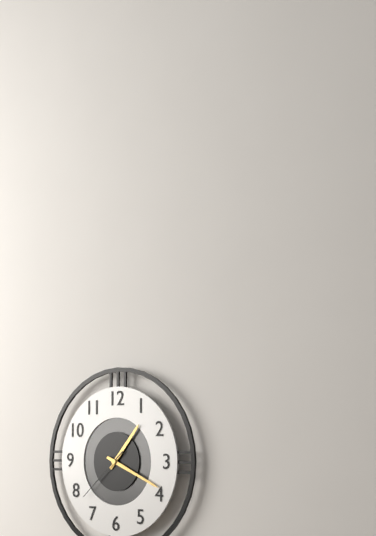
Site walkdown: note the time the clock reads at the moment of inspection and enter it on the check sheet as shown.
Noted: 1:19:38
